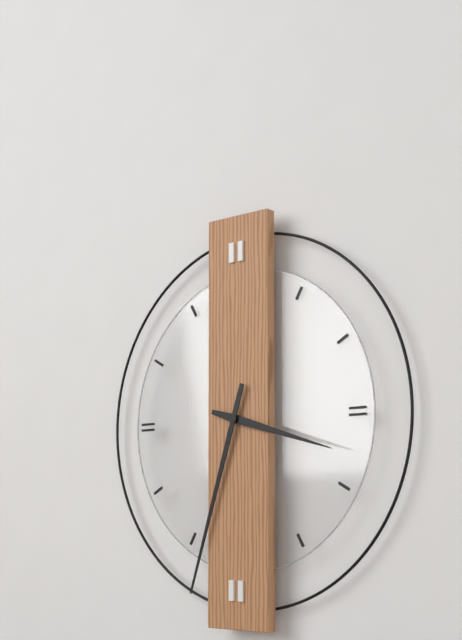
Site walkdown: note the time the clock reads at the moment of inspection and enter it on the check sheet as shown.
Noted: 3:33
